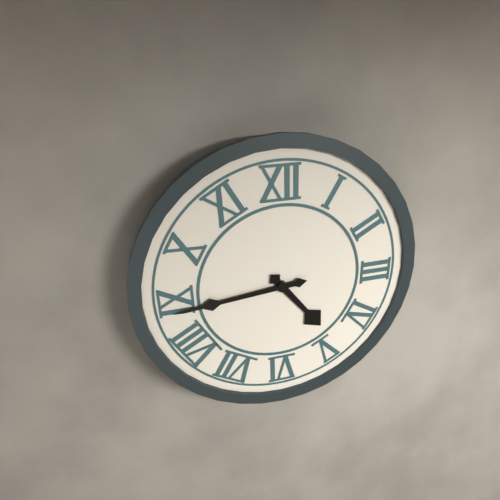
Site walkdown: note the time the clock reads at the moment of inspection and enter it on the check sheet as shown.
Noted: 4:44
